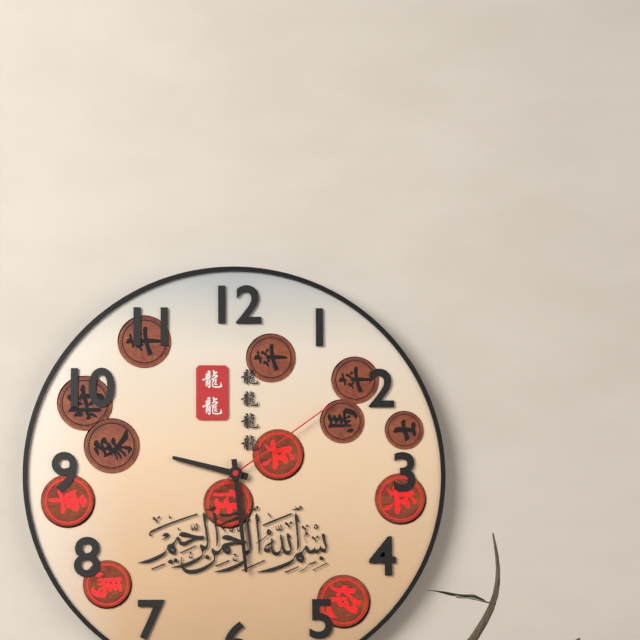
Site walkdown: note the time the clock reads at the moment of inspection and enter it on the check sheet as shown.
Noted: 9:29:09
